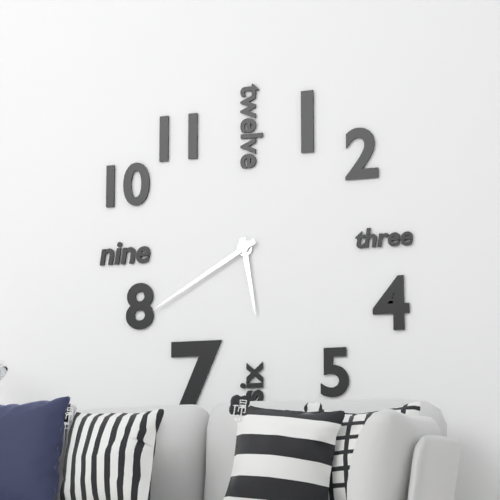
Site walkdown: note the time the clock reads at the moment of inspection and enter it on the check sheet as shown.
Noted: 5:40
